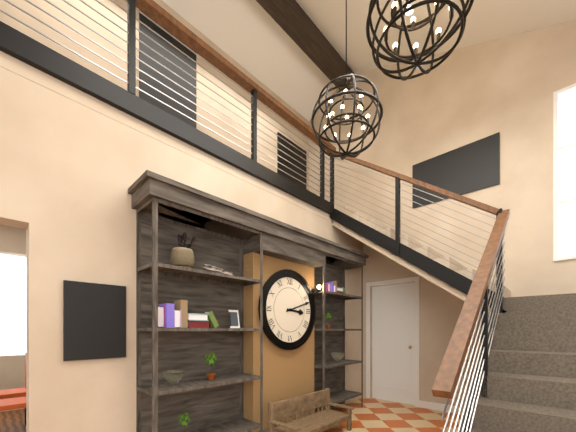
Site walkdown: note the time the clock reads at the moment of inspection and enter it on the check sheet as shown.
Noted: 3:12
